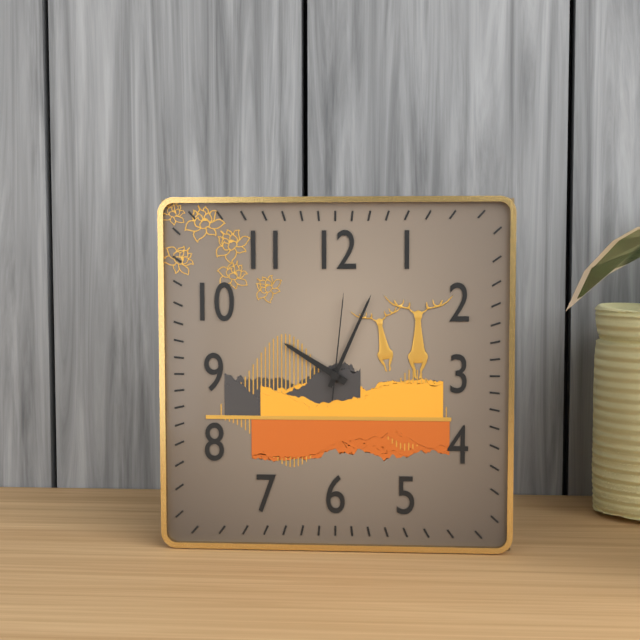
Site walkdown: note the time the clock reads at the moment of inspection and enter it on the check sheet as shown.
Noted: 10:04:01
